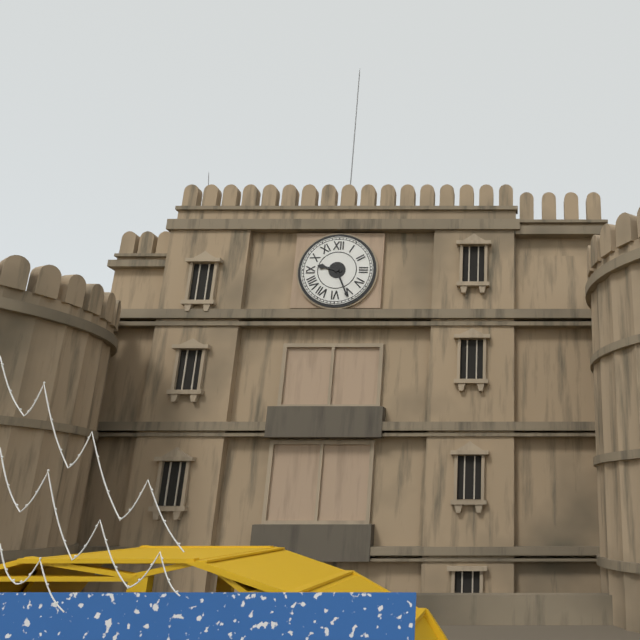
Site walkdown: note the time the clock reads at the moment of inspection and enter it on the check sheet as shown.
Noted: 9:26
